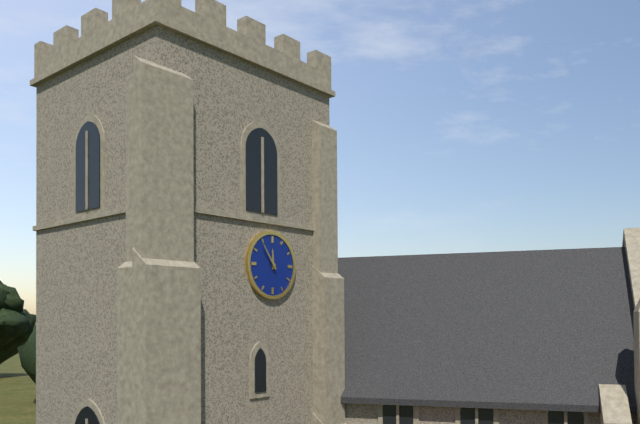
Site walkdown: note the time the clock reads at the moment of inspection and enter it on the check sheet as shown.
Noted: 11:54
